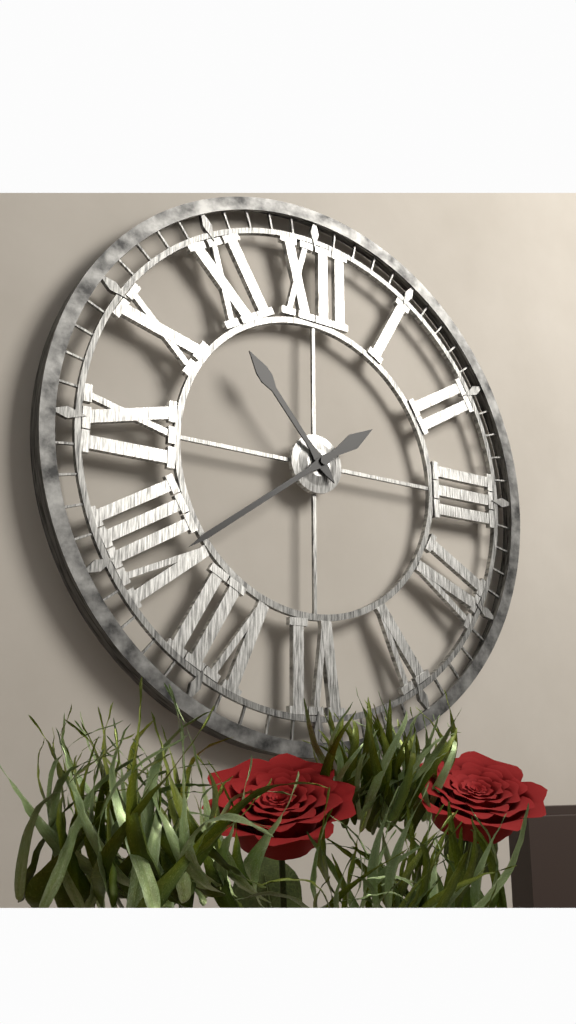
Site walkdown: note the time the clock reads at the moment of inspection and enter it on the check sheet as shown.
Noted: 10:39
